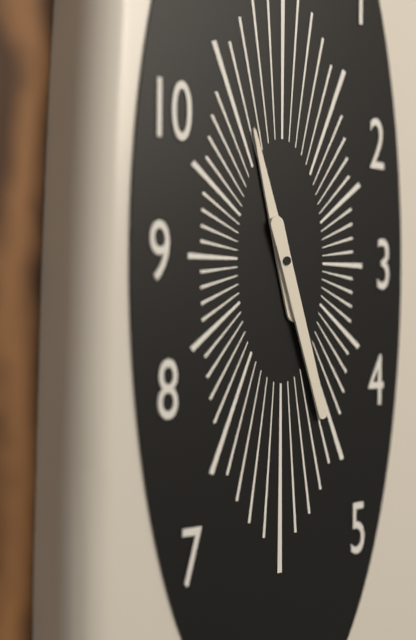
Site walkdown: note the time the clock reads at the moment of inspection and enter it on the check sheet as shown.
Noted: 11:27
